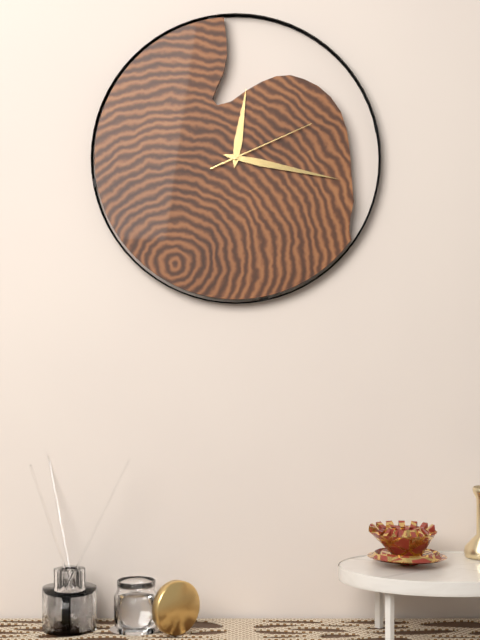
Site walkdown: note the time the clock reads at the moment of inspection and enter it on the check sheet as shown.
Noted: 12:17:11
